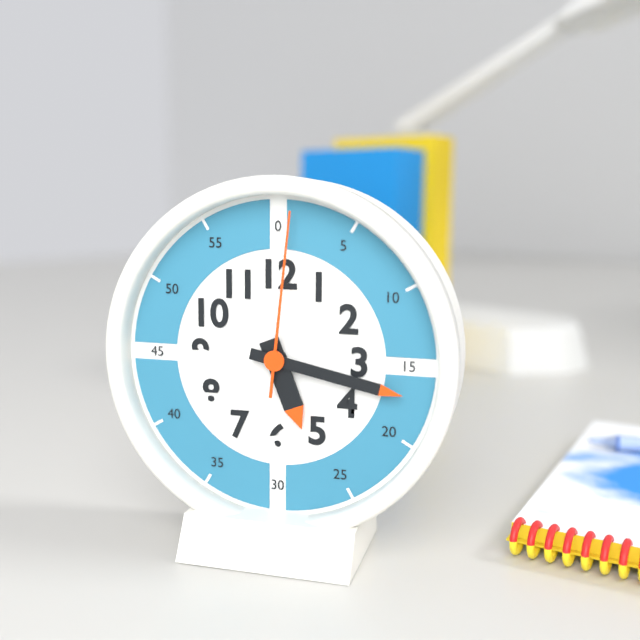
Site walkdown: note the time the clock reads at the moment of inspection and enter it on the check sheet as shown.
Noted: 5:17:01
